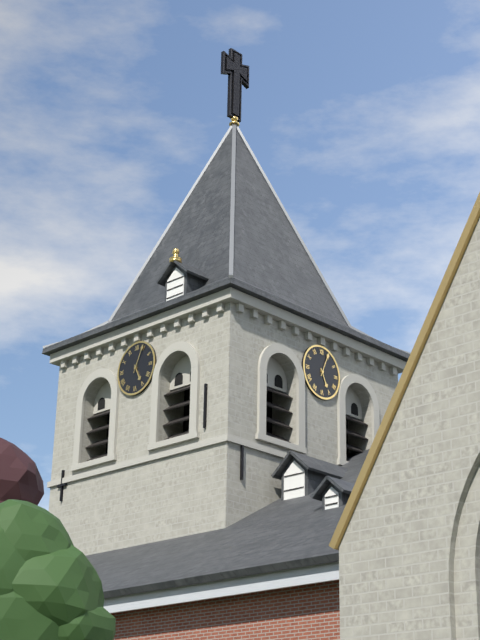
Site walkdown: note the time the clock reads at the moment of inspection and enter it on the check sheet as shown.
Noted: 5:04
